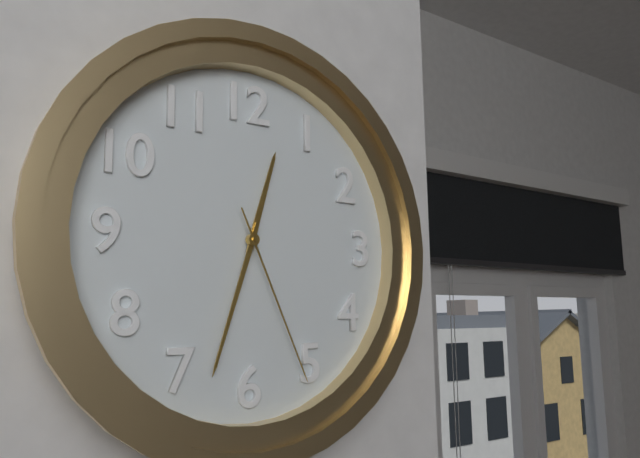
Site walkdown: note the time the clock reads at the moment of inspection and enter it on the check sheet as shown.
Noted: 12:33:26
